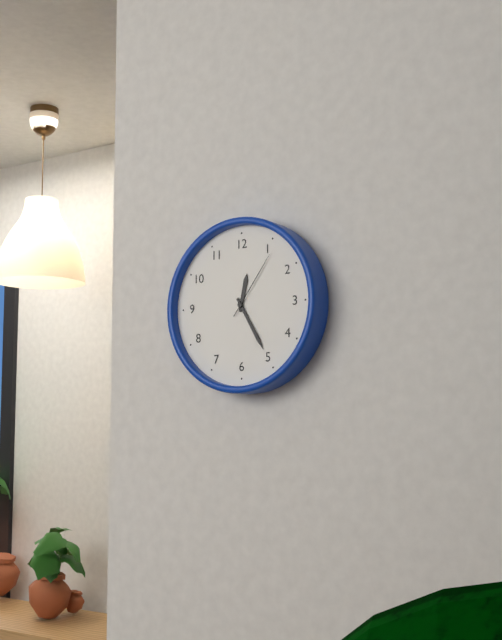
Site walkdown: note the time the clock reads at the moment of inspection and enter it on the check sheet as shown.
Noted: 12:25:06
